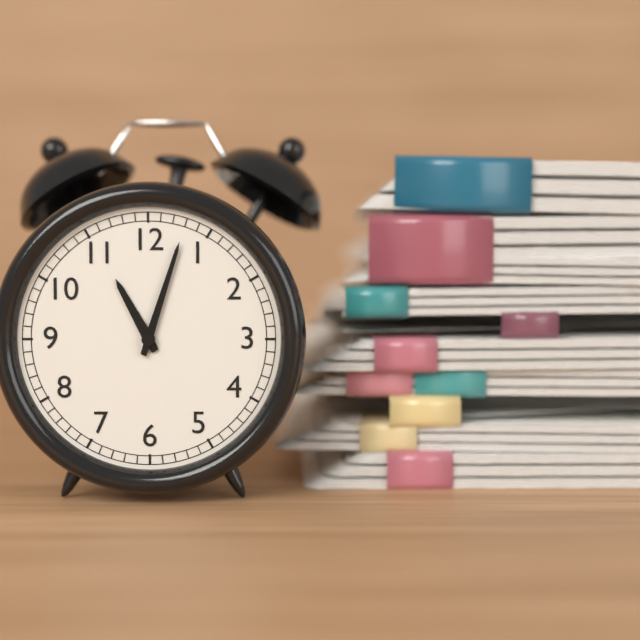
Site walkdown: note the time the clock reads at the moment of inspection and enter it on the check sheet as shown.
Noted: 11:03
